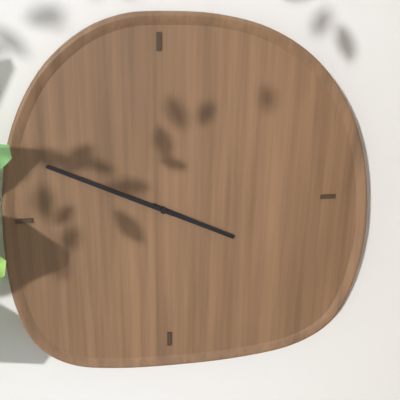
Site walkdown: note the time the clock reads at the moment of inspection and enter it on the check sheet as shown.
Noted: 3:49
